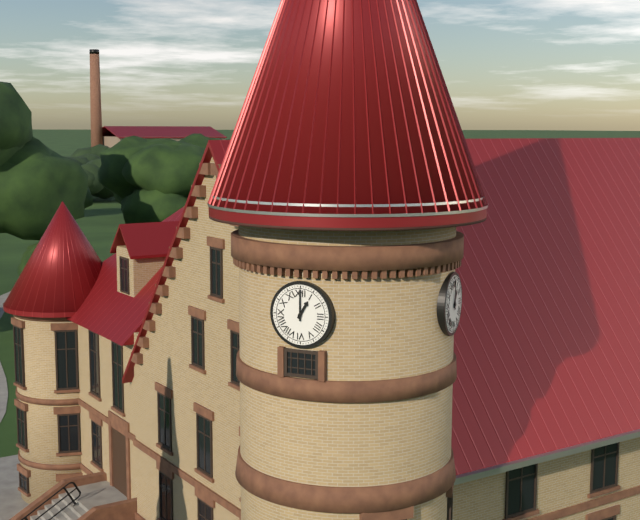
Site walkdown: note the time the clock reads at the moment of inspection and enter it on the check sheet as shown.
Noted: 1:00
